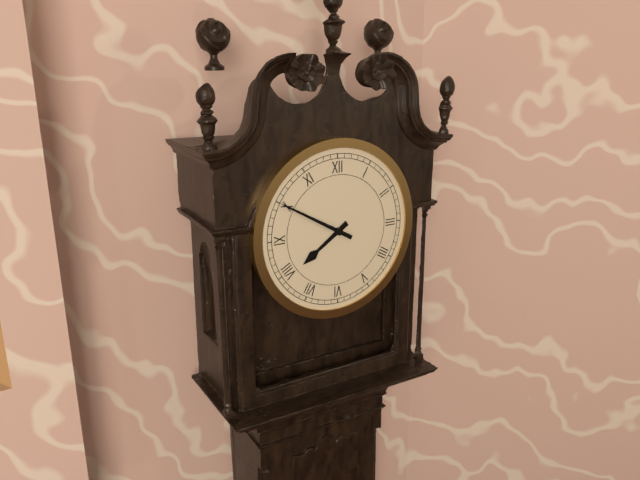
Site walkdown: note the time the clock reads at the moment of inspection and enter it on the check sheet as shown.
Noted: 7:50
